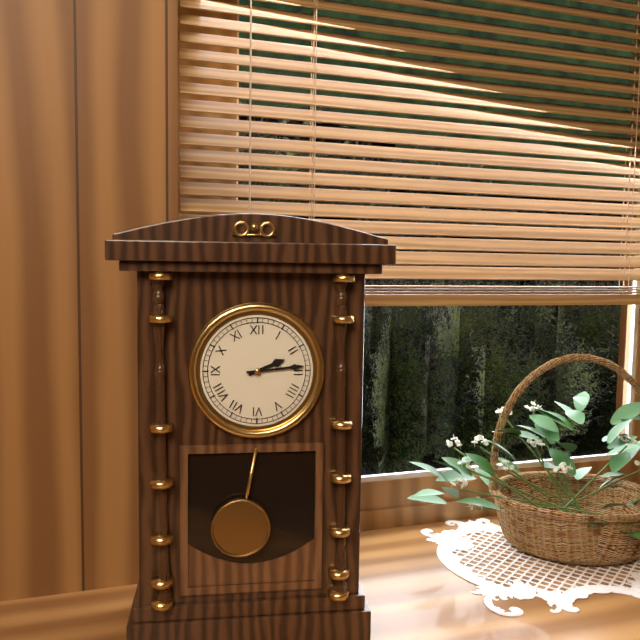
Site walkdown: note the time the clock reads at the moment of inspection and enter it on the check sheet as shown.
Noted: 2:14
